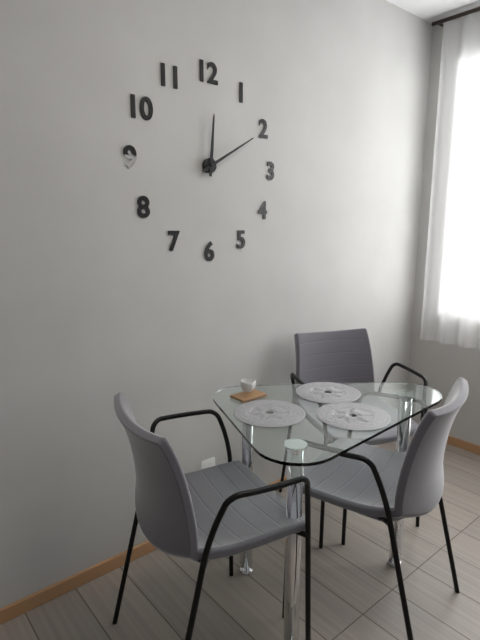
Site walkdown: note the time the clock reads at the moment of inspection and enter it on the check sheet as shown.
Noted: 12:10
